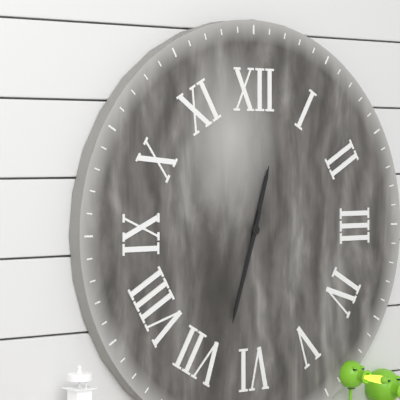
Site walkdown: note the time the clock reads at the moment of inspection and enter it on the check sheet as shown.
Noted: 12:33
